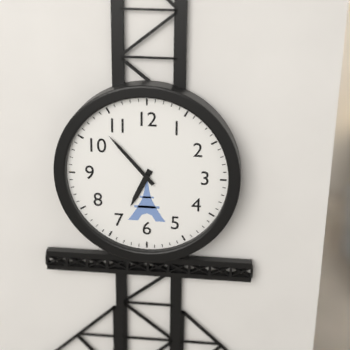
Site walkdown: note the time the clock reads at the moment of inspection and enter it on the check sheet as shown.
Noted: 6:53
